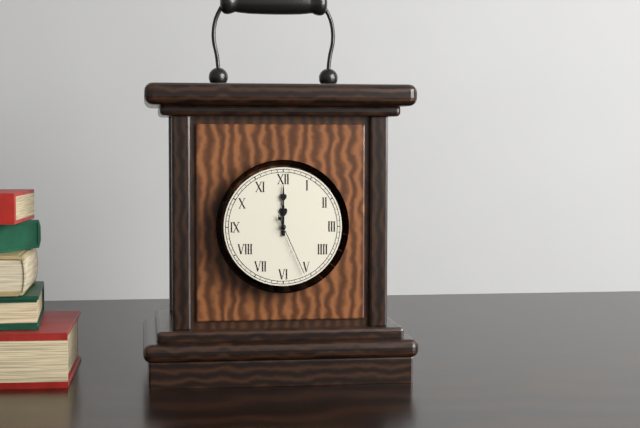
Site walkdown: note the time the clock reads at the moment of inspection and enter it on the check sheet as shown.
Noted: 12:00:26
